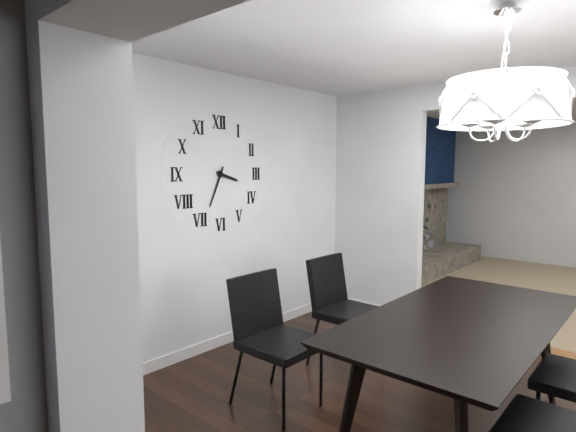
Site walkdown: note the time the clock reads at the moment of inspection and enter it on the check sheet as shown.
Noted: 3:34
